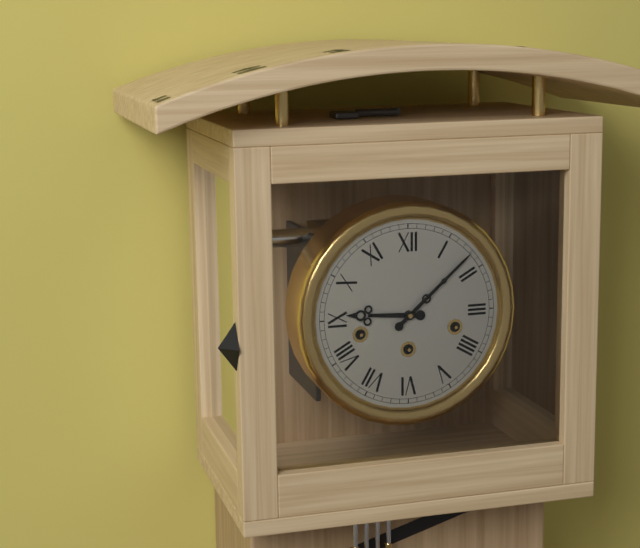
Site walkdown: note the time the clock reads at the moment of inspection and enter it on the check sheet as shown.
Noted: 9:08
